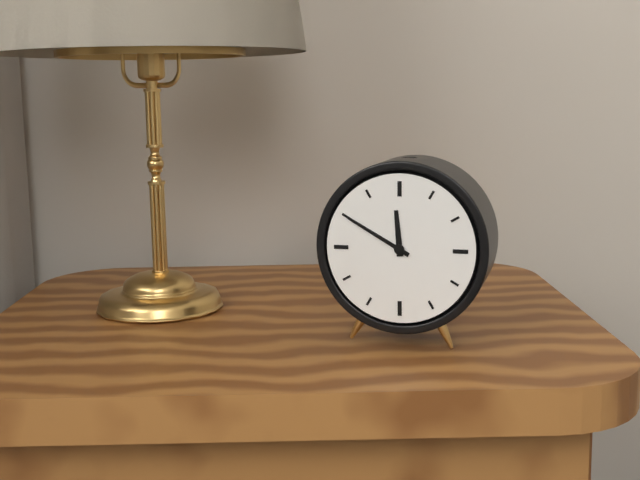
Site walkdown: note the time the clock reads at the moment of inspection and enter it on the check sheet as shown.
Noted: 11:50
